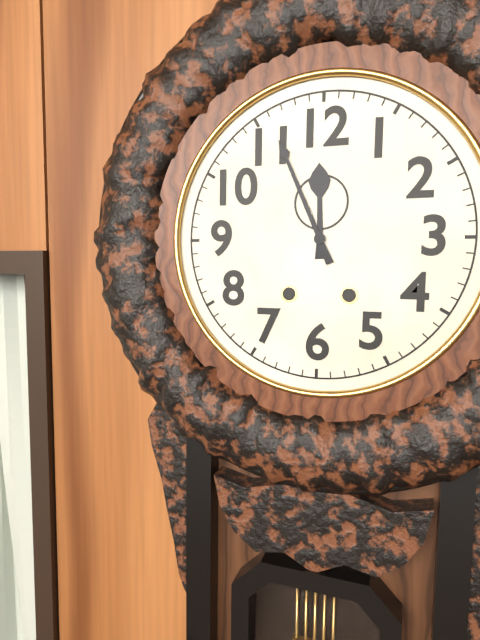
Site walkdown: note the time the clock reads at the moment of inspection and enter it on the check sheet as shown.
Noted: 11:56
